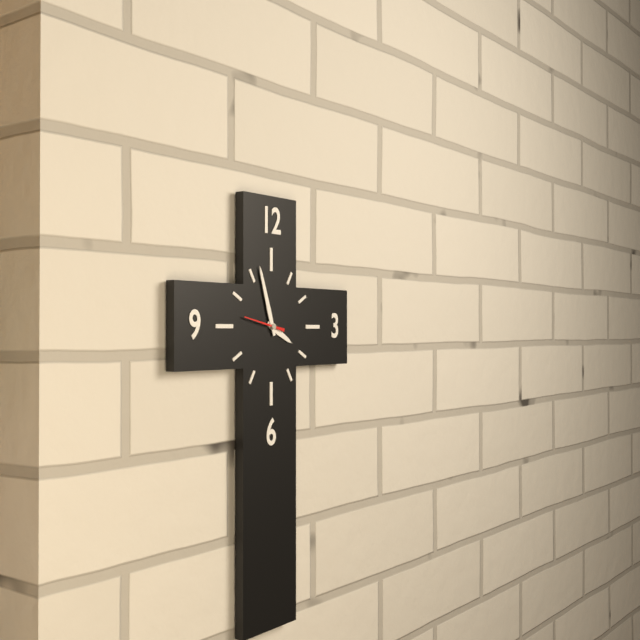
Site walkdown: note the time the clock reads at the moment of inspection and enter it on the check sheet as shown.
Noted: 3:57
